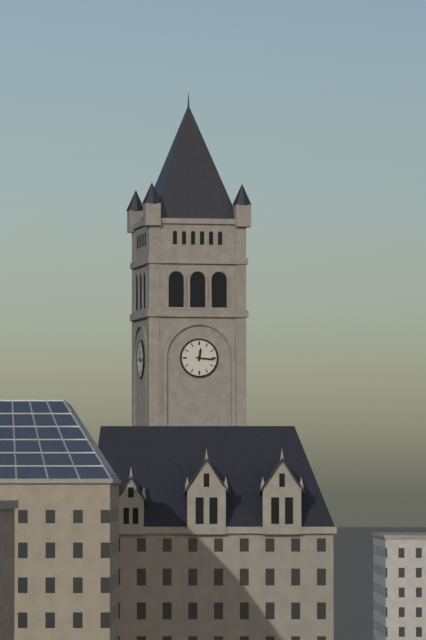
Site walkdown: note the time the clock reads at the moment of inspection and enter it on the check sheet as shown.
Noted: 12:16
